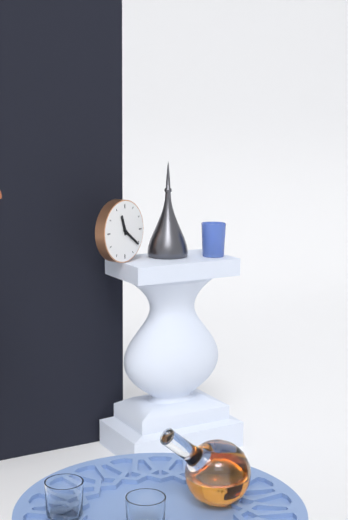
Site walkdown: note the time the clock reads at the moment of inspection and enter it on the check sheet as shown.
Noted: 11:21
